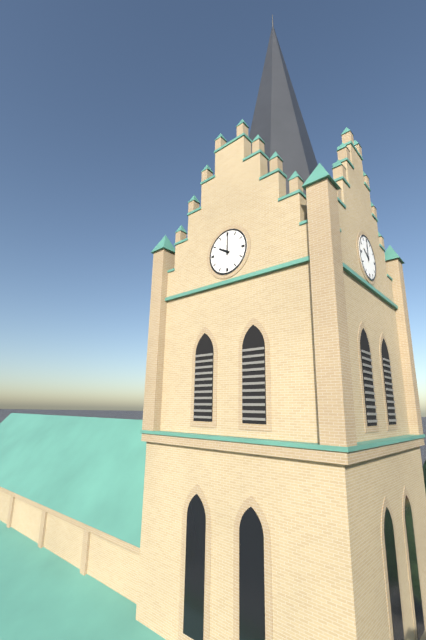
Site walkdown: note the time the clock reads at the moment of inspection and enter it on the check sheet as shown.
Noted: 10:00
